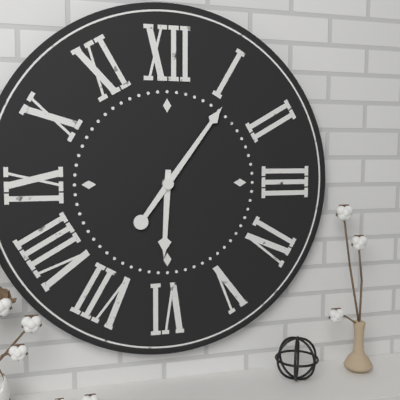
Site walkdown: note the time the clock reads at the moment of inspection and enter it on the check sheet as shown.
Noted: 6:06
